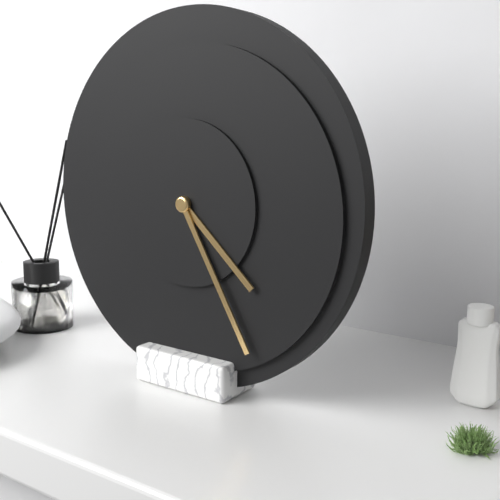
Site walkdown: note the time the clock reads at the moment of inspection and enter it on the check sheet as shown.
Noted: 4:25
